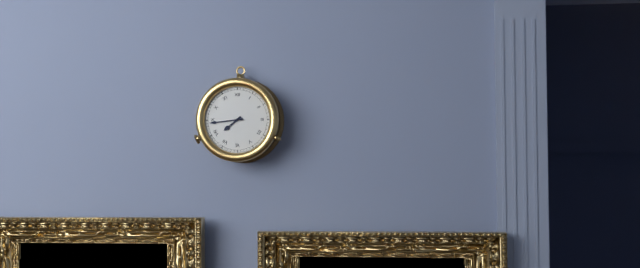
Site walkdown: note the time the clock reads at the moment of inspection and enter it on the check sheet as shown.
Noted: 7:44
